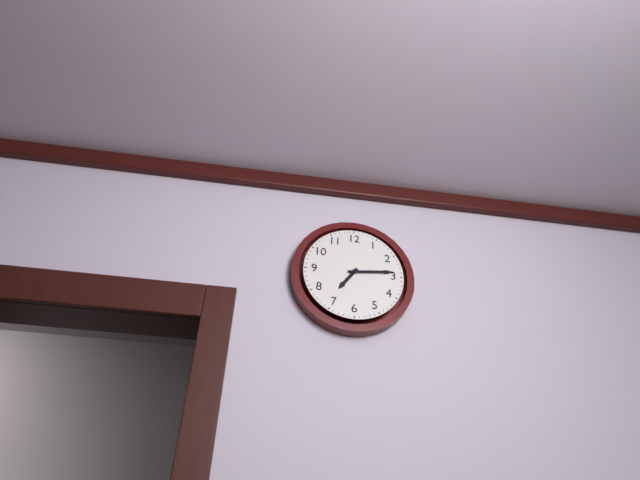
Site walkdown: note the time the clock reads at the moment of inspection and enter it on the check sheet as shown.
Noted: 7:14
